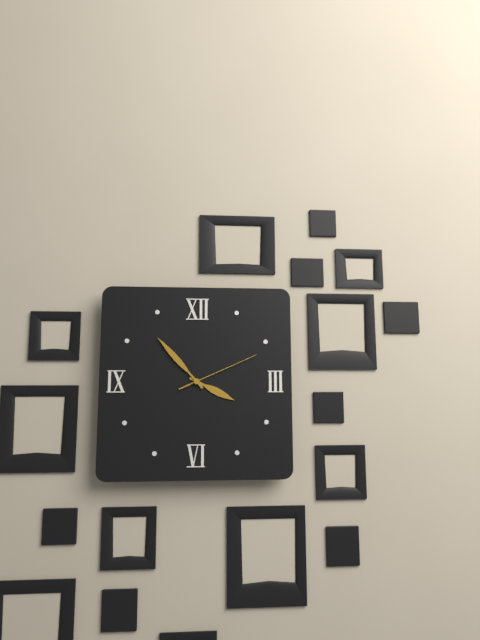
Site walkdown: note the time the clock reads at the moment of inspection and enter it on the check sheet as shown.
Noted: 3:53:11
